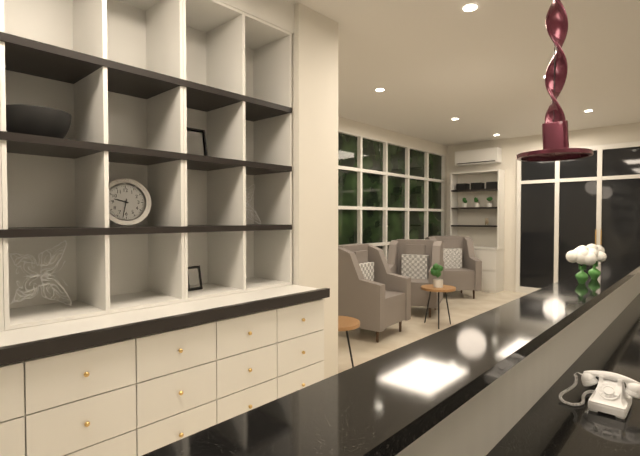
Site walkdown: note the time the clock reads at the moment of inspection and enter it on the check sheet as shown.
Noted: 9:32
